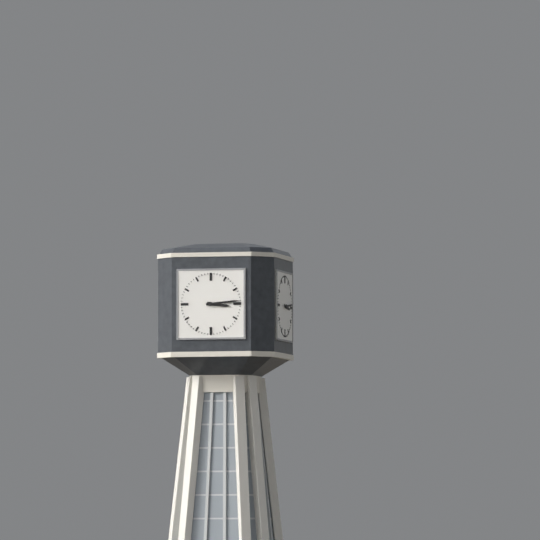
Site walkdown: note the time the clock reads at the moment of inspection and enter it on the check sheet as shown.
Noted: 3:14
